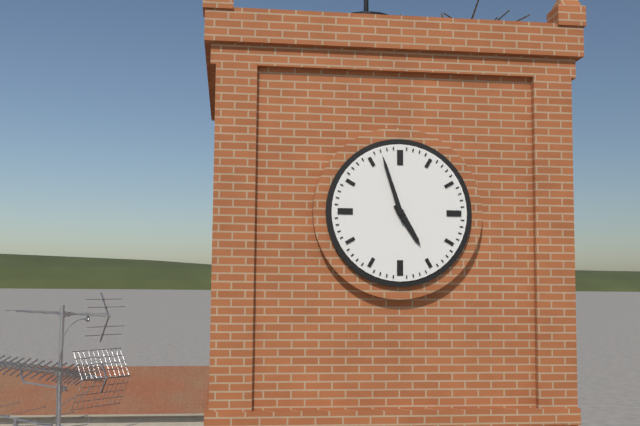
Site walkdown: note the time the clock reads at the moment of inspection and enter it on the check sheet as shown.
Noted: 4:57
